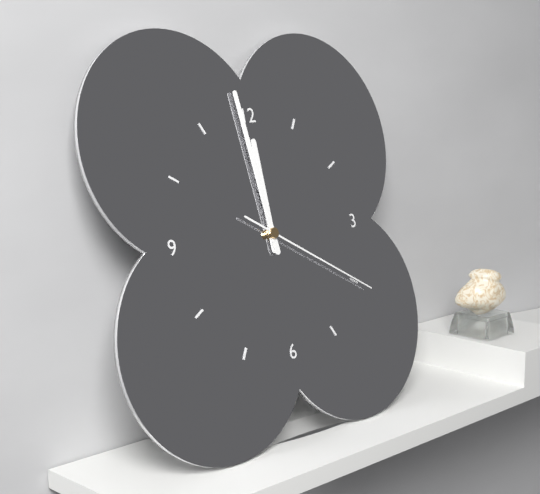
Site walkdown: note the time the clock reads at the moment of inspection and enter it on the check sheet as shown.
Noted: 11:59:20
